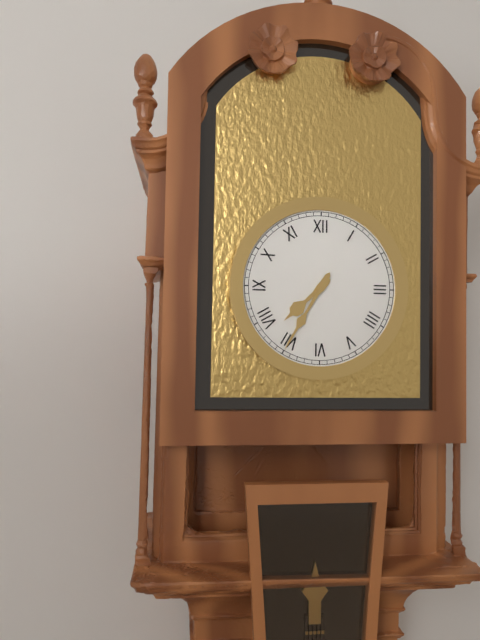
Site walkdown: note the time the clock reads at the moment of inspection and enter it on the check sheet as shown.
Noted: 7:35
